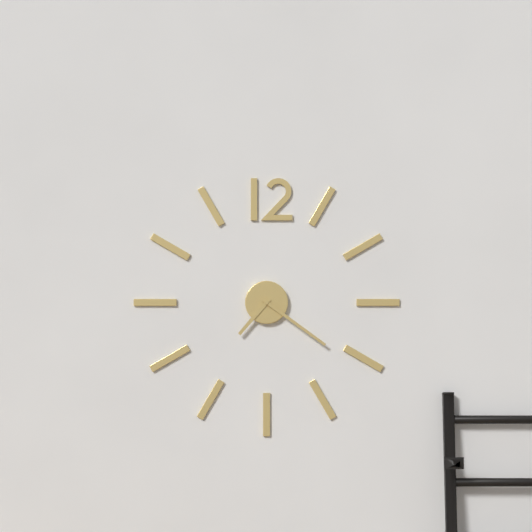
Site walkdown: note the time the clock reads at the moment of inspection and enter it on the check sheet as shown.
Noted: 7:21
